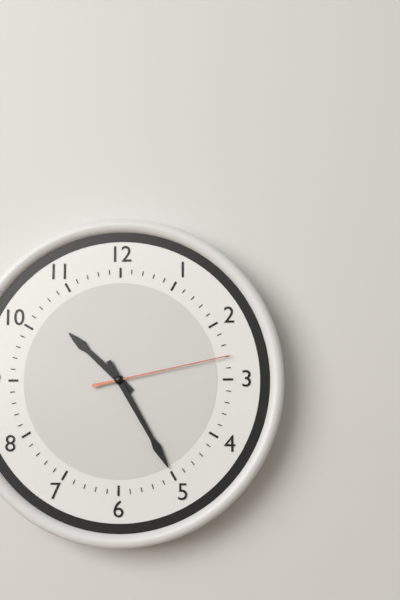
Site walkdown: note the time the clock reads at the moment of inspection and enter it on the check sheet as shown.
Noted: 10:25:13
